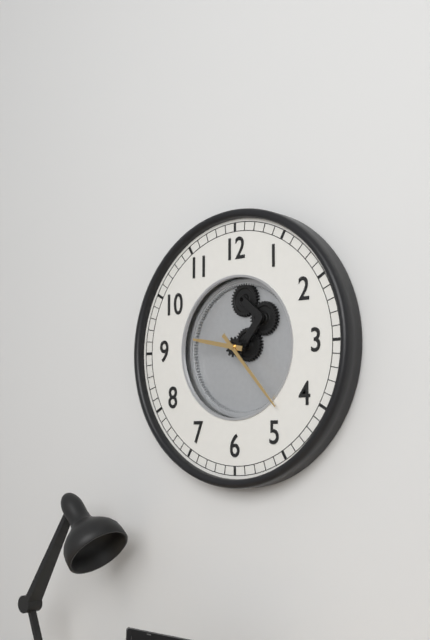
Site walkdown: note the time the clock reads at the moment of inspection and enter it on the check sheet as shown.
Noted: 9:23
